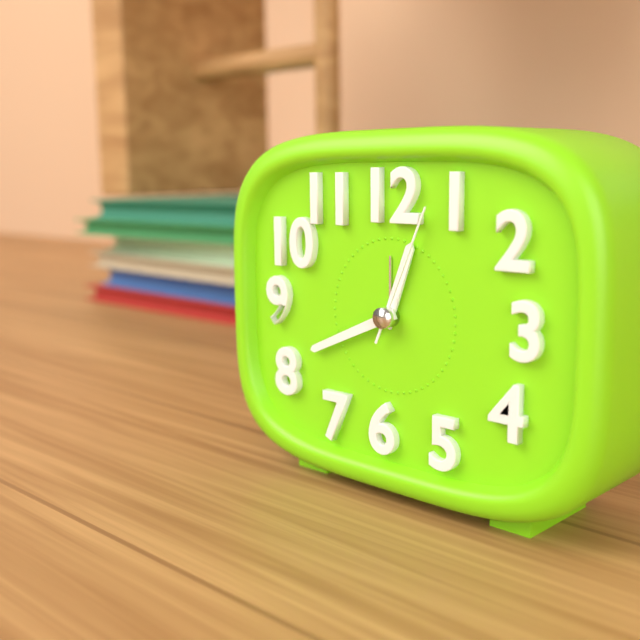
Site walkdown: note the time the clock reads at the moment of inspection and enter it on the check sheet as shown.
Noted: 12:41:04
